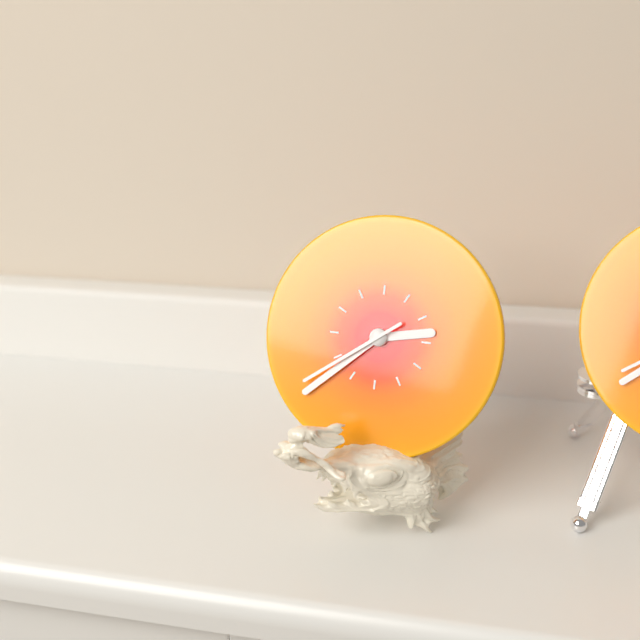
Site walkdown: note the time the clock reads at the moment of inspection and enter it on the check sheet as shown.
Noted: 2:38:39
